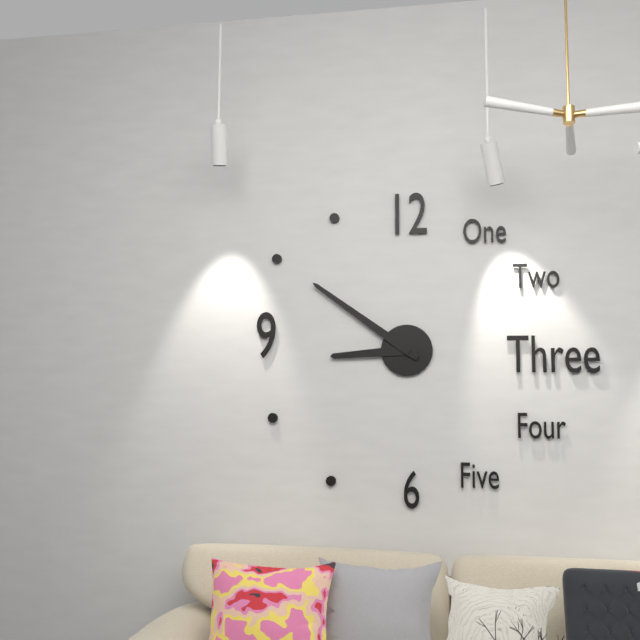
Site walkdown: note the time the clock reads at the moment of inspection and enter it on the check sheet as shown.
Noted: 8:51
